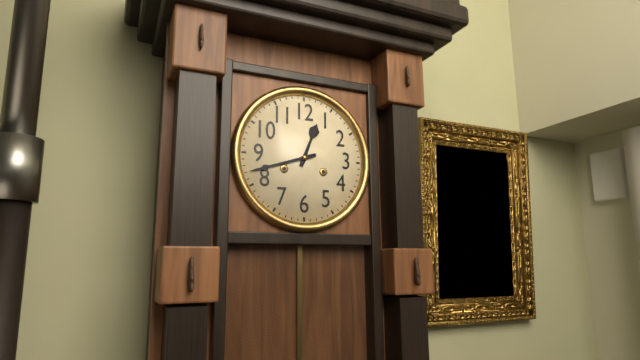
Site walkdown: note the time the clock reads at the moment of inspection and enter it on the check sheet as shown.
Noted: 12:42
